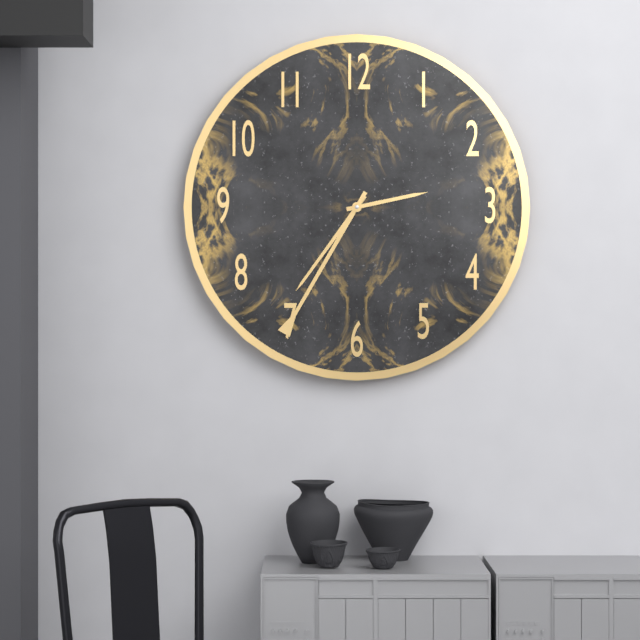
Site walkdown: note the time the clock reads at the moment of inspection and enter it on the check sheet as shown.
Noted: 2:36:35
